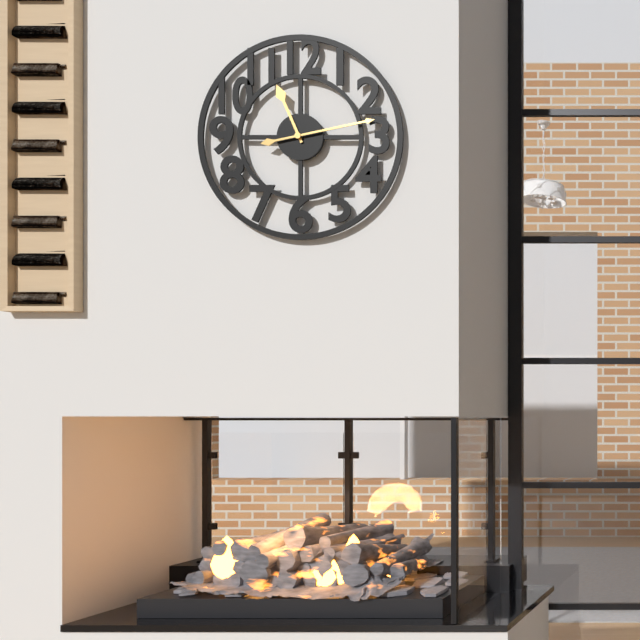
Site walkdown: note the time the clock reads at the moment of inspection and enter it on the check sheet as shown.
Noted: 11:13
